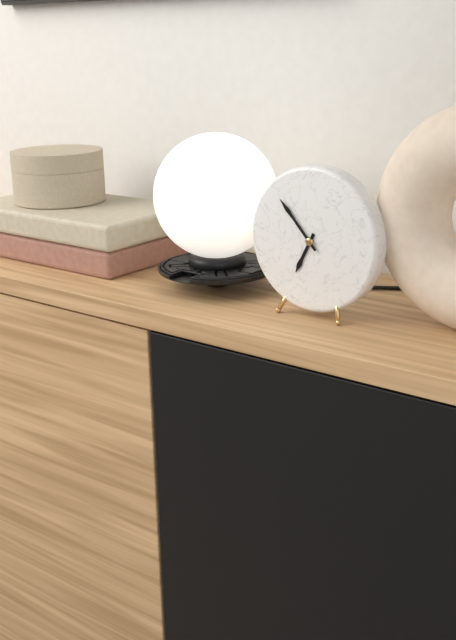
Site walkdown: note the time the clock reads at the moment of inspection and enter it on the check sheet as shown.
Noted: 6:53
